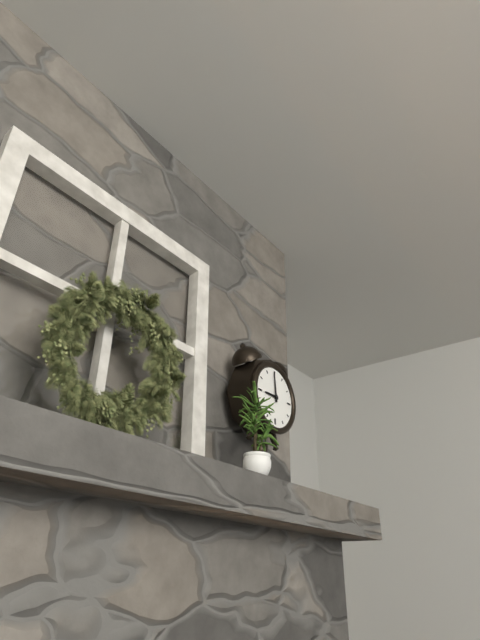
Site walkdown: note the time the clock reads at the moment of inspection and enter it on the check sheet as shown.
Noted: 8:59
